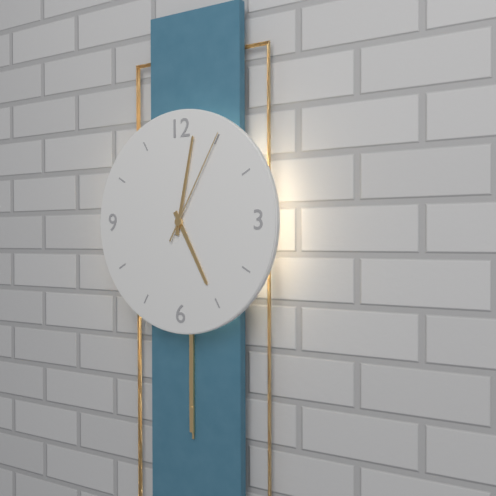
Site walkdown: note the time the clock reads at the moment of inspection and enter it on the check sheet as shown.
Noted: 5:02:05
